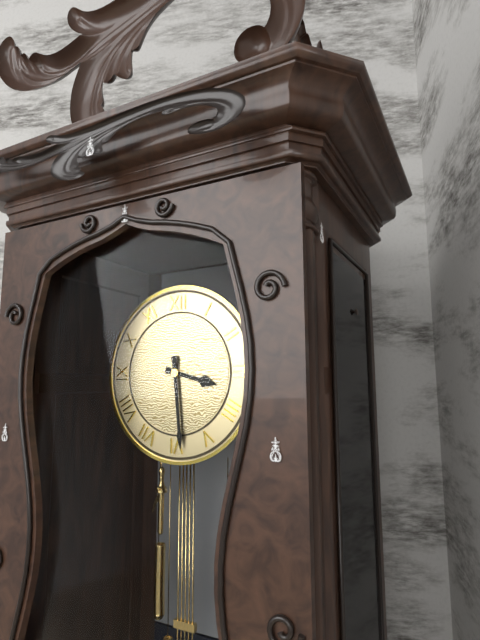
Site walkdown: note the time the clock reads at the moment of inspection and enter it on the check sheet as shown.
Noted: 3:29
